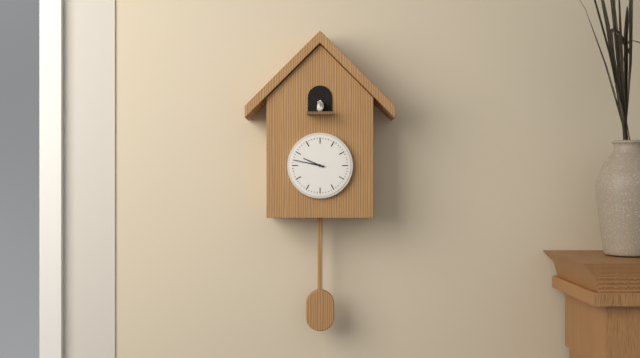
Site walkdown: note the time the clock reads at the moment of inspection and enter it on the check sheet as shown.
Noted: 9:47
